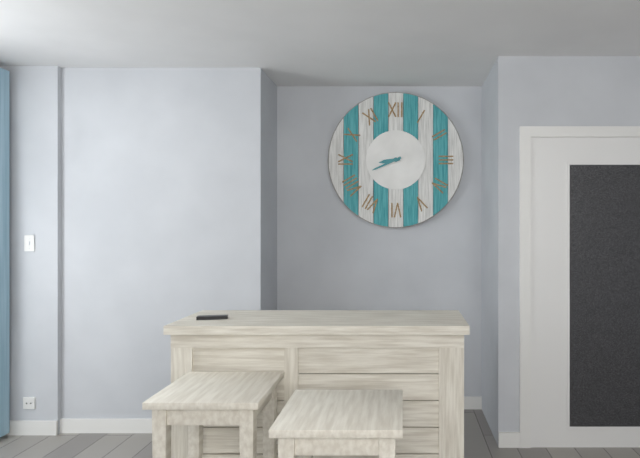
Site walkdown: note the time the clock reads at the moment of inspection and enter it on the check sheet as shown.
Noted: 8:41
